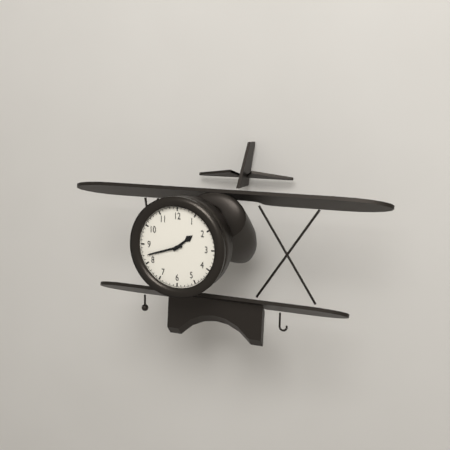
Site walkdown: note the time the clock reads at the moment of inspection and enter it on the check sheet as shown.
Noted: 1:42
